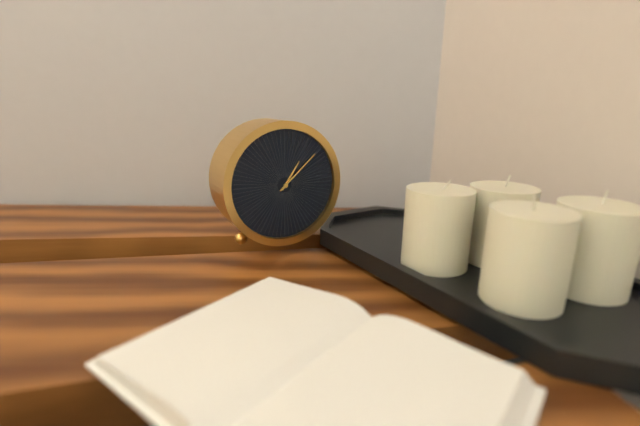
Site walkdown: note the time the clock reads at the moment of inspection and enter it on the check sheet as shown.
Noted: 1:08
